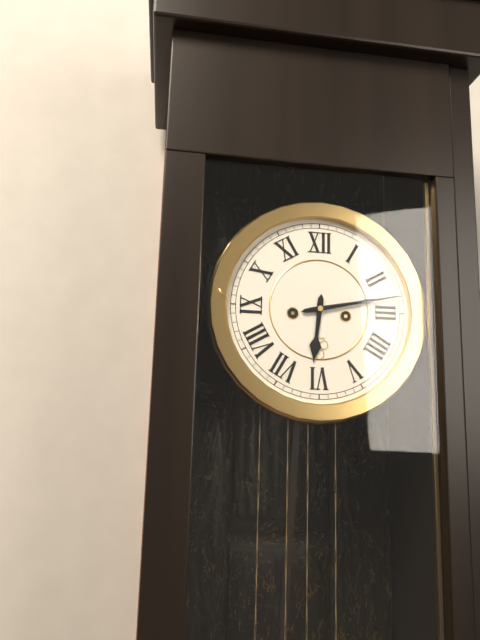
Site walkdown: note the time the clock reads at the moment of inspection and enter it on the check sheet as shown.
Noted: 6:13
